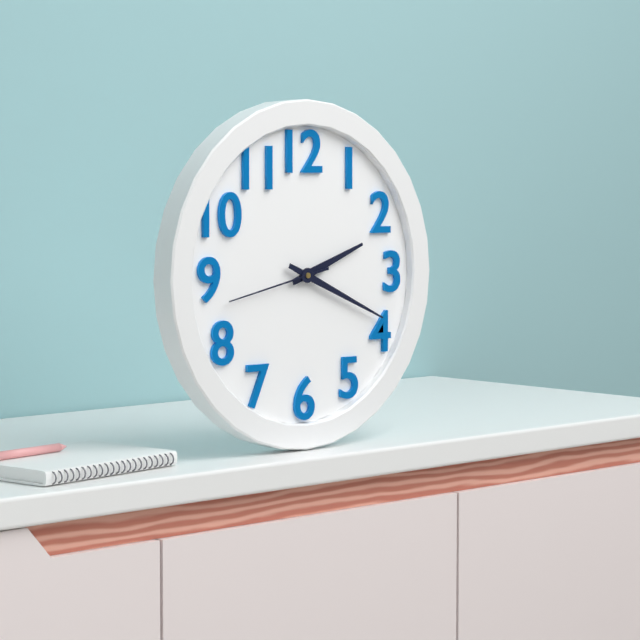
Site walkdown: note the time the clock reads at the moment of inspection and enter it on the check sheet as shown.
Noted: 2:19:43
